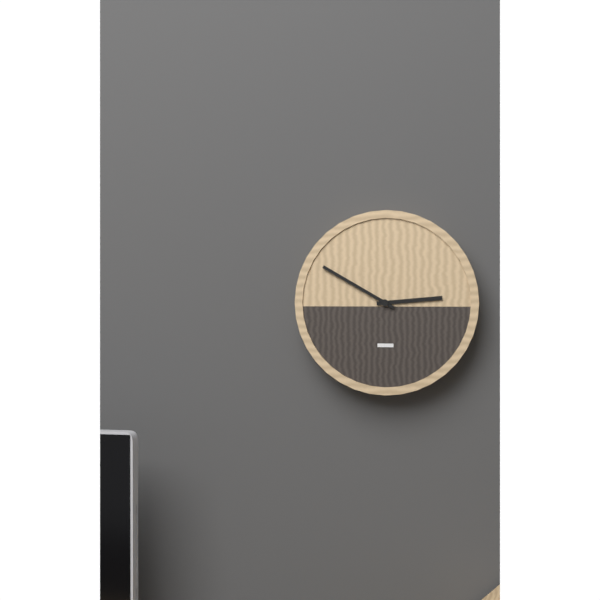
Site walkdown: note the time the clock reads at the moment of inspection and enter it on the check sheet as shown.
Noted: 2:50
